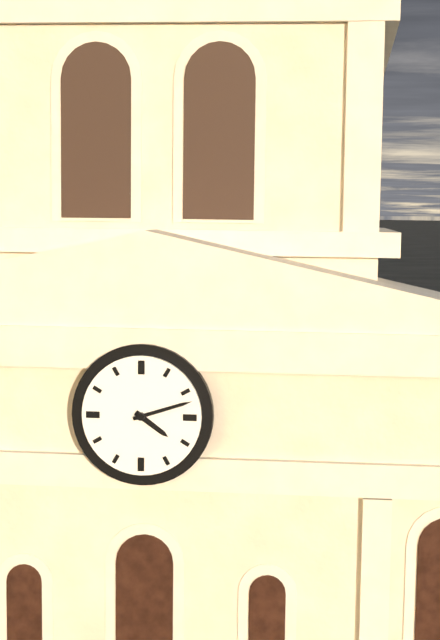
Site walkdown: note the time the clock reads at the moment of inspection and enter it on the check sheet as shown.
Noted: 4:12
